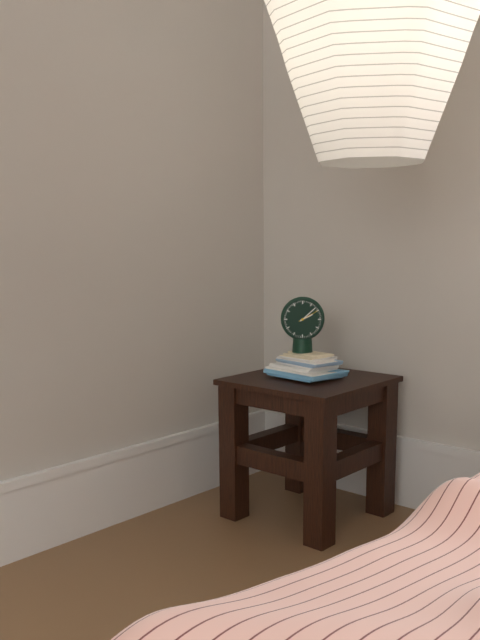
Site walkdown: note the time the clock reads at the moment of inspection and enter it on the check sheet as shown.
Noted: 2:08
